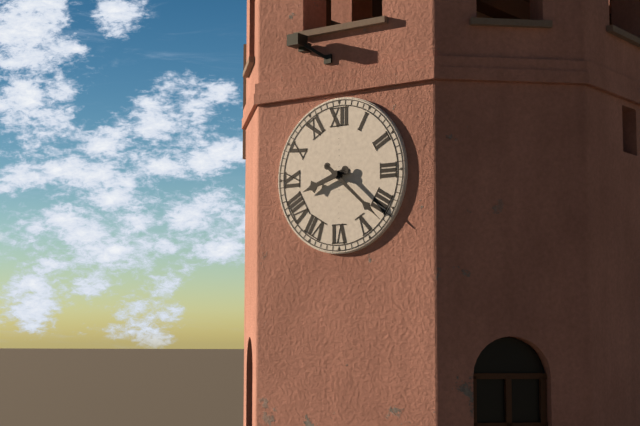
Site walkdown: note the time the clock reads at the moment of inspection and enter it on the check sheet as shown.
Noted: 8:22
